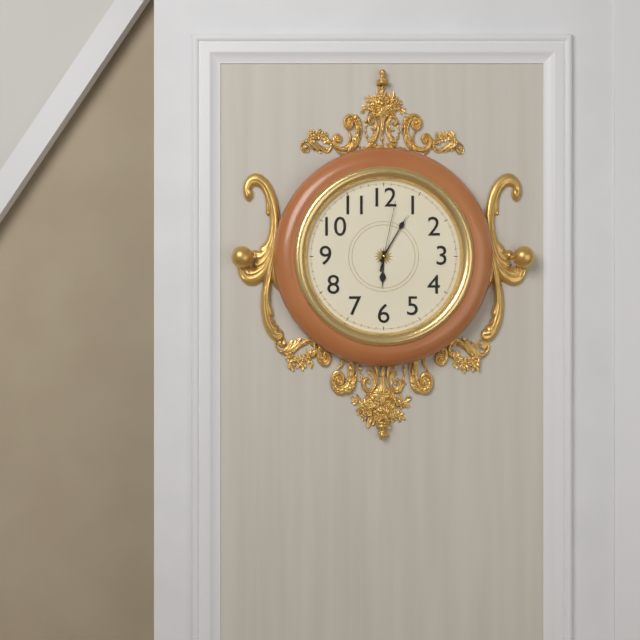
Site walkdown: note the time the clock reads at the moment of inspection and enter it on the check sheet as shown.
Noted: 6:05:02
